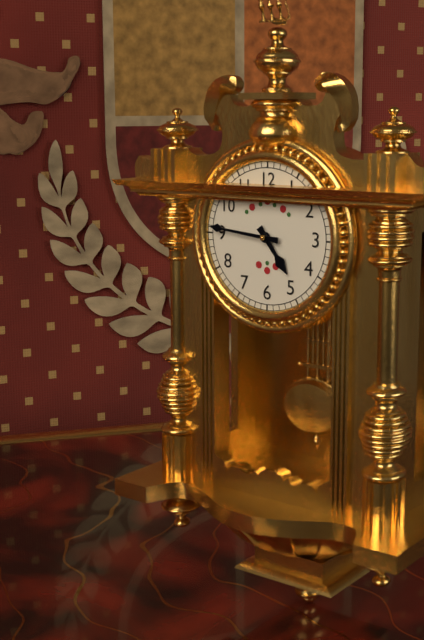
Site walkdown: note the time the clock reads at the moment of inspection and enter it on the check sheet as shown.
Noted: 4:46
